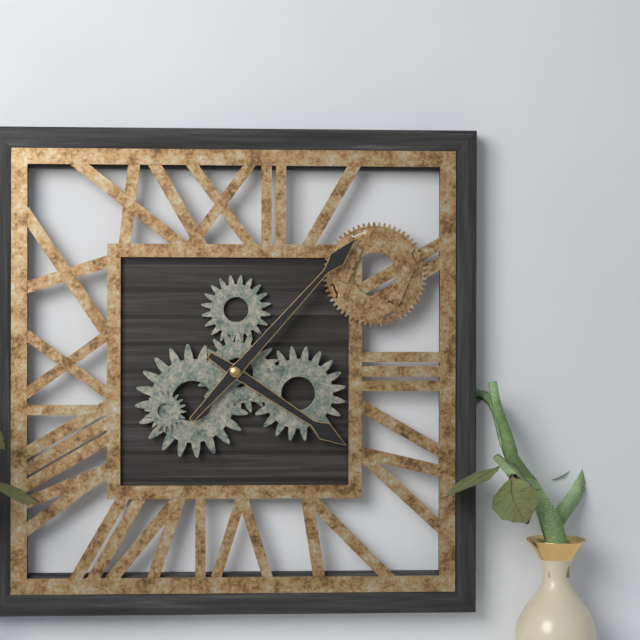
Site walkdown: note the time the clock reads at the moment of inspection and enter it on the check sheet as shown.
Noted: 4:07
